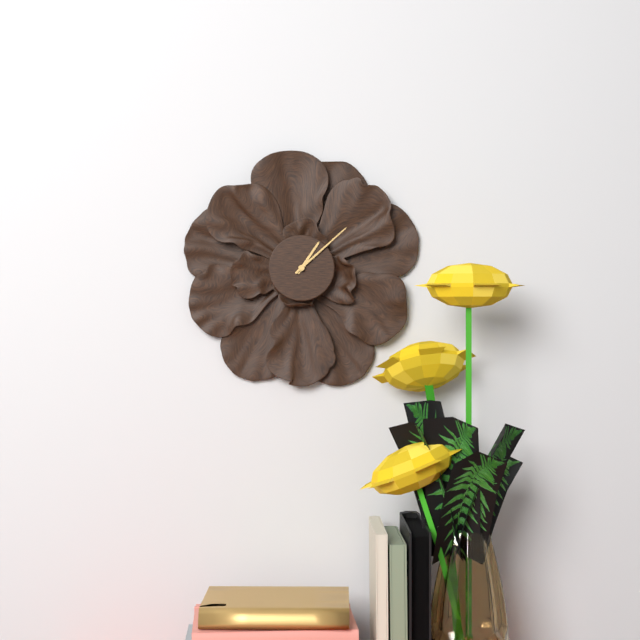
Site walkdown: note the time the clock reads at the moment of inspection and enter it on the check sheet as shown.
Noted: 1:08
